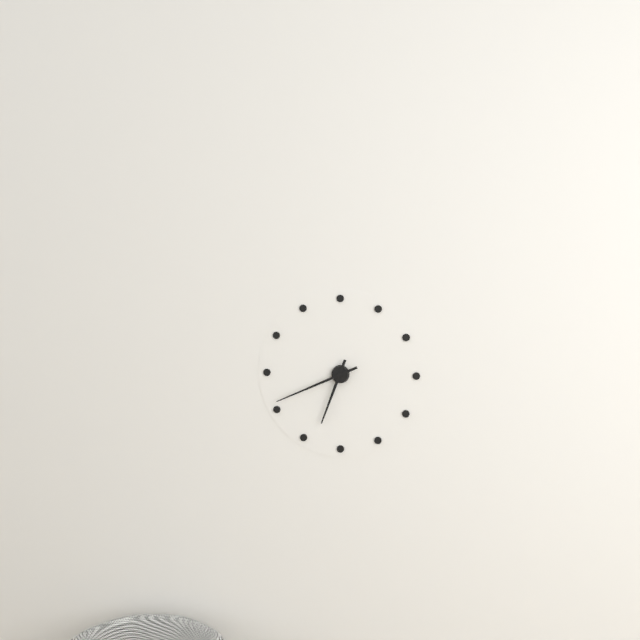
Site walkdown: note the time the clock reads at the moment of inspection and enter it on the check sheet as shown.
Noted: 6:41
